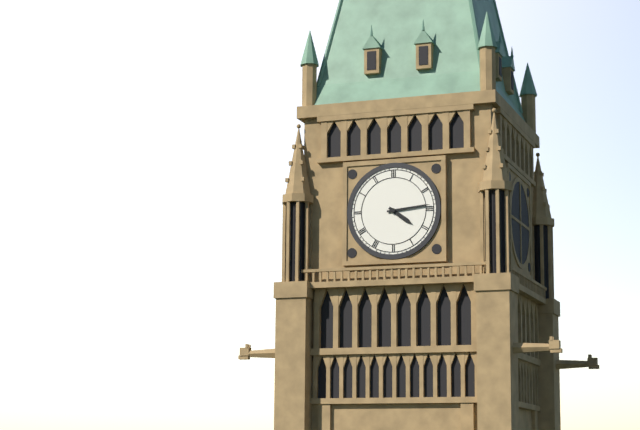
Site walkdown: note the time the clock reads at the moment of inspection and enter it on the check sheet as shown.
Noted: 4:14
